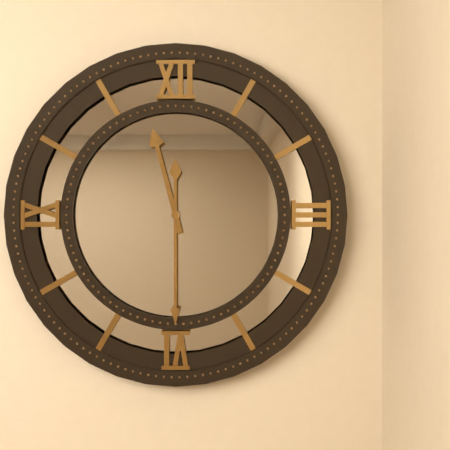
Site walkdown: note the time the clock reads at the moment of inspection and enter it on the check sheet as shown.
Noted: 11:30
